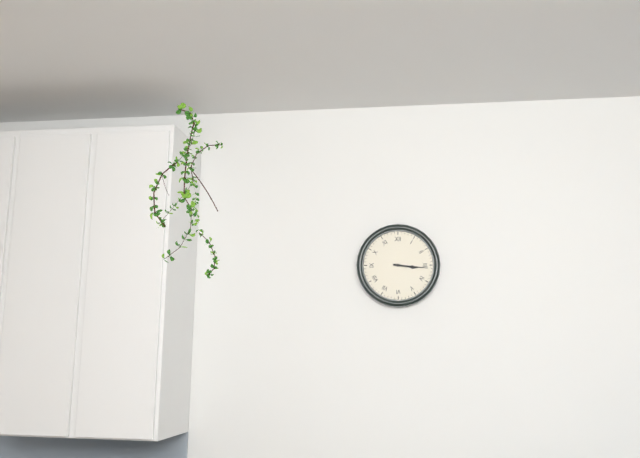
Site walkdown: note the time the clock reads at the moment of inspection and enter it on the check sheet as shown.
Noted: 3:16
